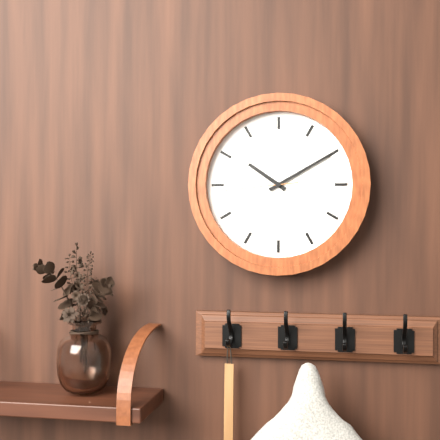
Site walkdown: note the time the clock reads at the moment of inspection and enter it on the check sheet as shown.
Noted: 10:10:44
